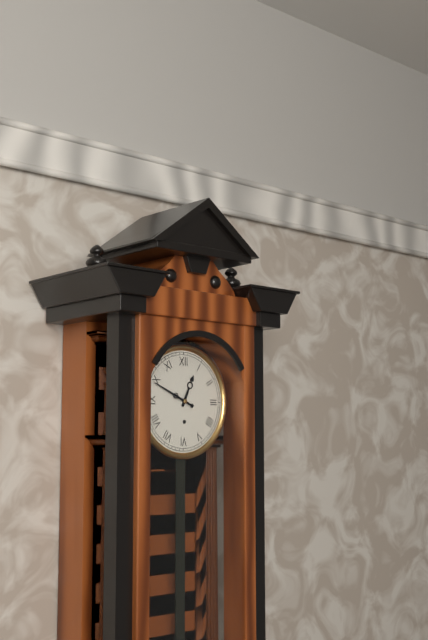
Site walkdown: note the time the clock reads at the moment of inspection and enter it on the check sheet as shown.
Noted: 12:49
